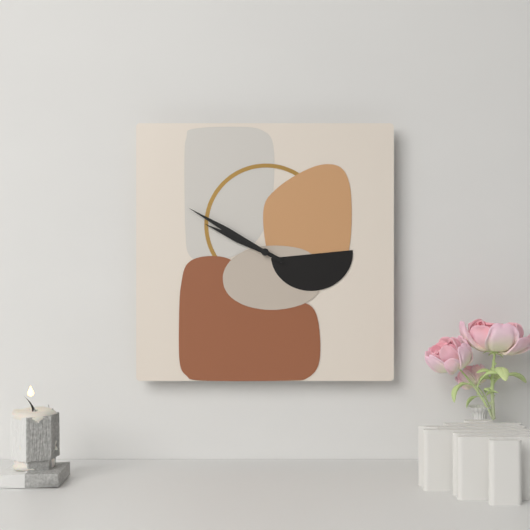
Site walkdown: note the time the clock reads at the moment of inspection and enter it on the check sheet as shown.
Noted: 9:50
